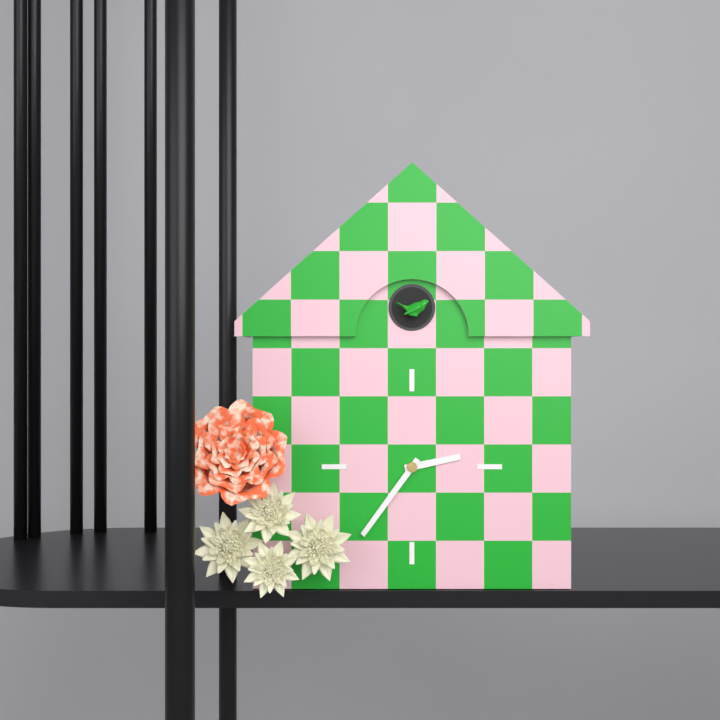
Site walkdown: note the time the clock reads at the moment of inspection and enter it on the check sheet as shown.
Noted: 2:36
